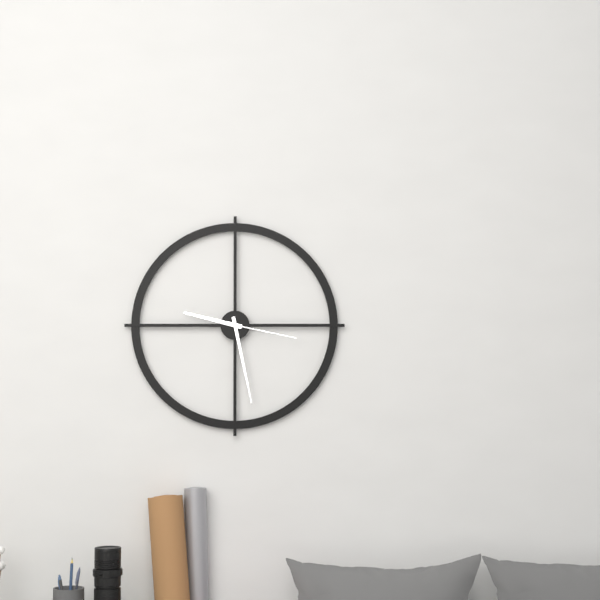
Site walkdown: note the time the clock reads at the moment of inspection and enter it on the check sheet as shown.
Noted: 9:28:17
